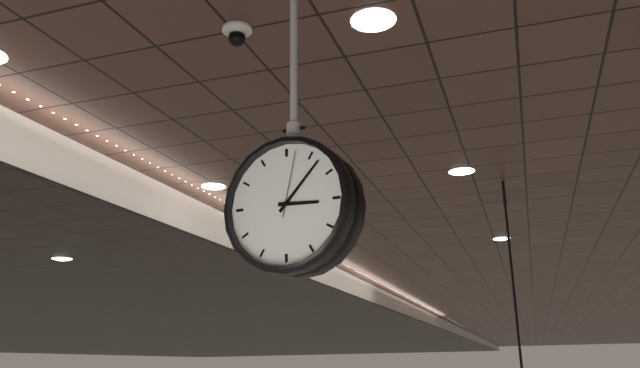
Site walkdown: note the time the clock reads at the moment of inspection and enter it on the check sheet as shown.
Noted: 3:07:02
